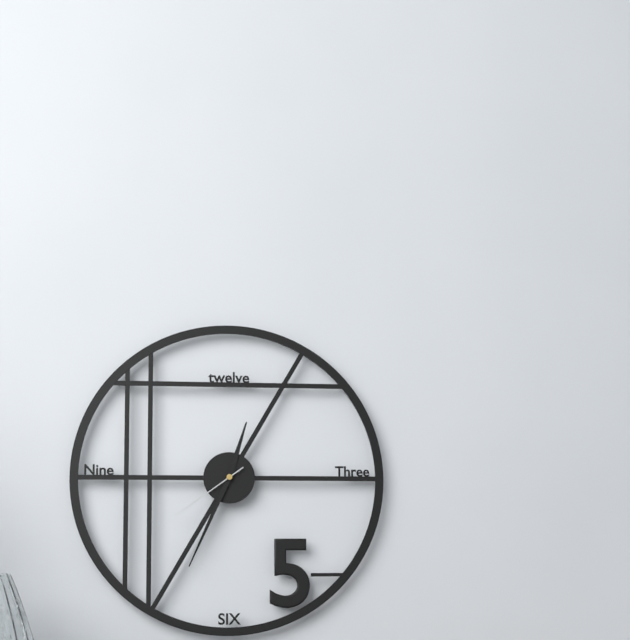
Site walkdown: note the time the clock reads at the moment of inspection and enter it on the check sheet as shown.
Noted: 12:34:39
